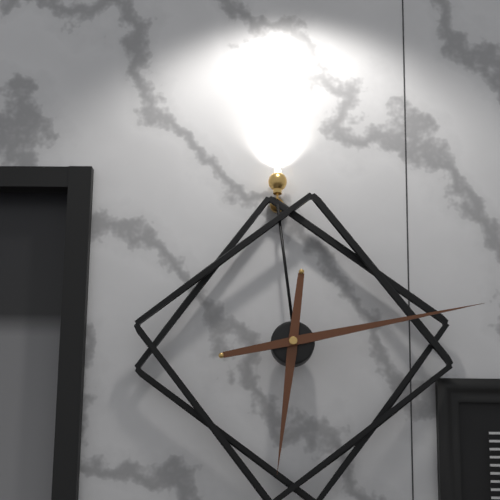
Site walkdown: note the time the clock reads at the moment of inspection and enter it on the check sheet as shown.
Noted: 6:13
